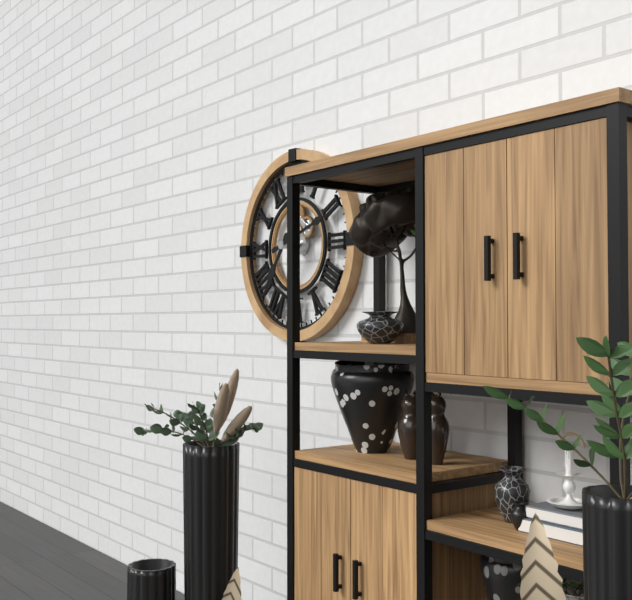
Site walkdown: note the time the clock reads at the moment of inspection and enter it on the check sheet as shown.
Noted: 7:12
